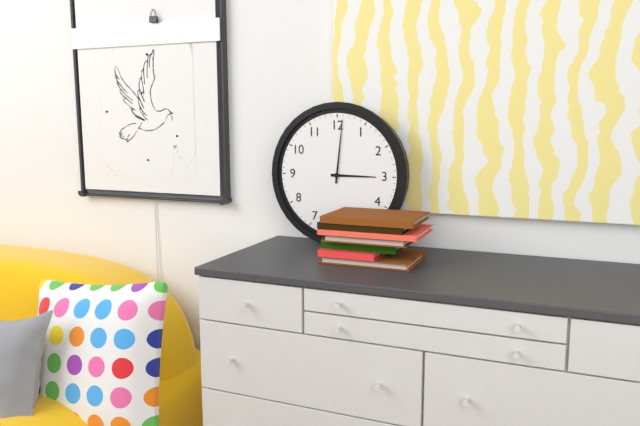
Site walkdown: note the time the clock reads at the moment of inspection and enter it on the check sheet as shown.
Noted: 3:01
